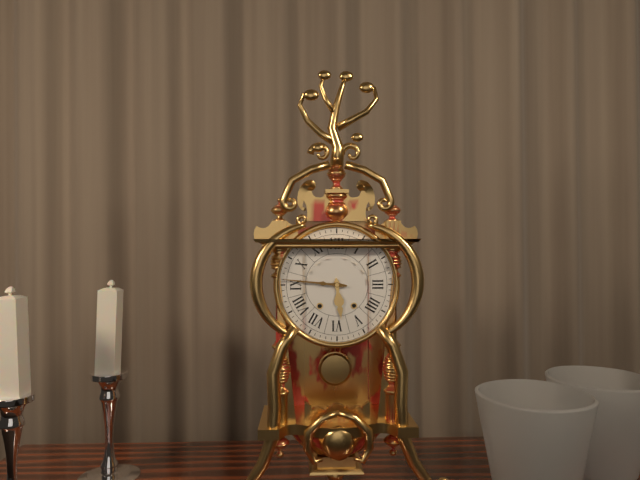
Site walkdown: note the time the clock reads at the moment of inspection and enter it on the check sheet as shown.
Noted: 5:46
